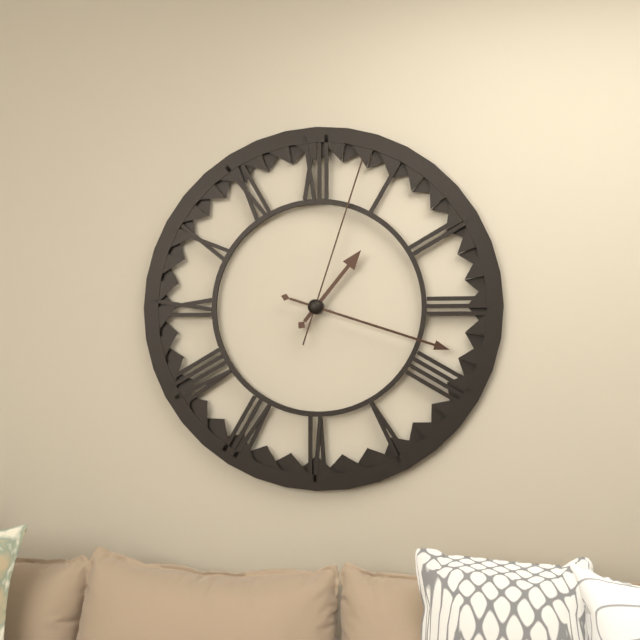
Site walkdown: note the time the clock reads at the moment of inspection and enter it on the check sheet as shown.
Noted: 1:18:03
